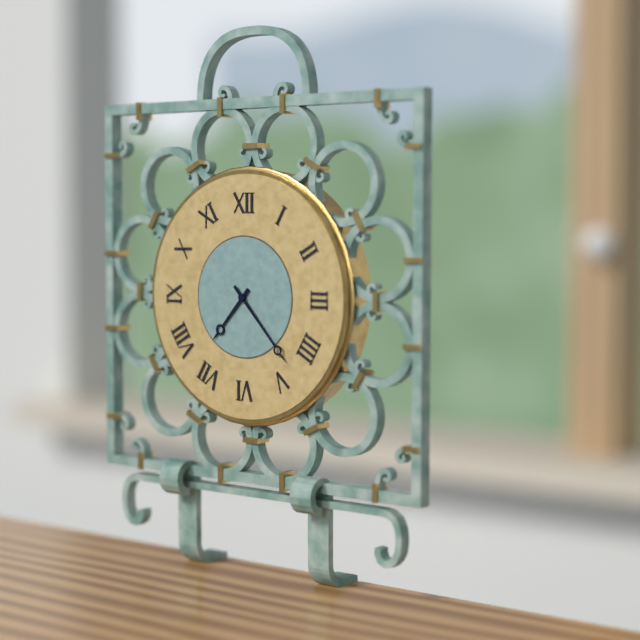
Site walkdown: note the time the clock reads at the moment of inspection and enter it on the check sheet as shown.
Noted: 7:23
